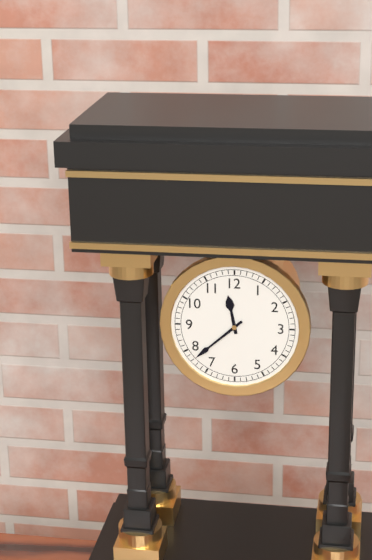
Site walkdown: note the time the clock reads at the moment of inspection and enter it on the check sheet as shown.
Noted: 11:38
